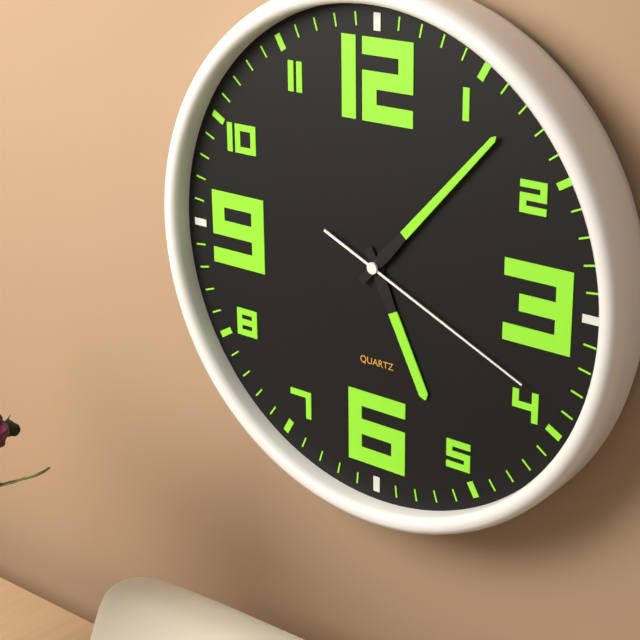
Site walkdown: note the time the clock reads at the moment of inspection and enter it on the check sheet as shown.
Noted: 5:07:19
